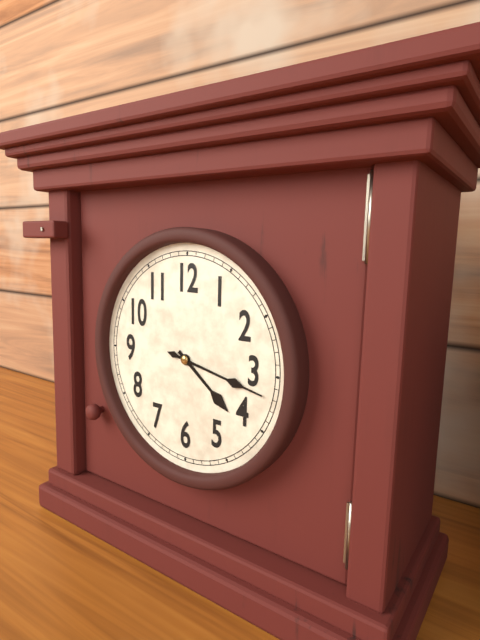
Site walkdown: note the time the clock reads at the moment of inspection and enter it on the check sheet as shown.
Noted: 4:17
